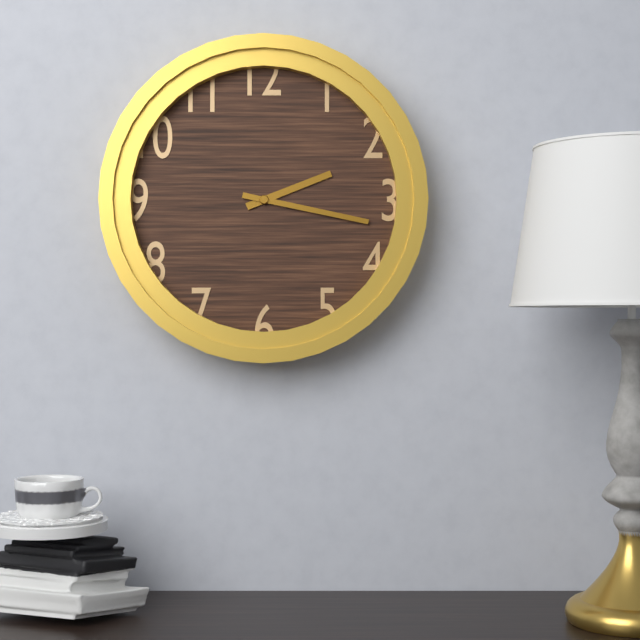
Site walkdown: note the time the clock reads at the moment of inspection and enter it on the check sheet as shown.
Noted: 2:17
